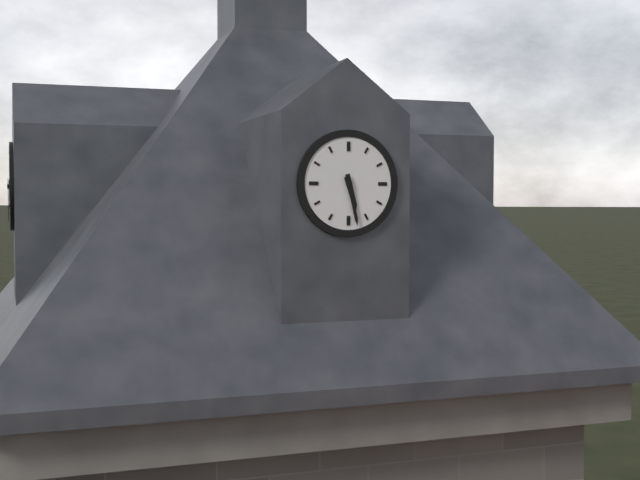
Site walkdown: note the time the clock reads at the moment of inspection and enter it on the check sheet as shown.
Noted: 5:28
